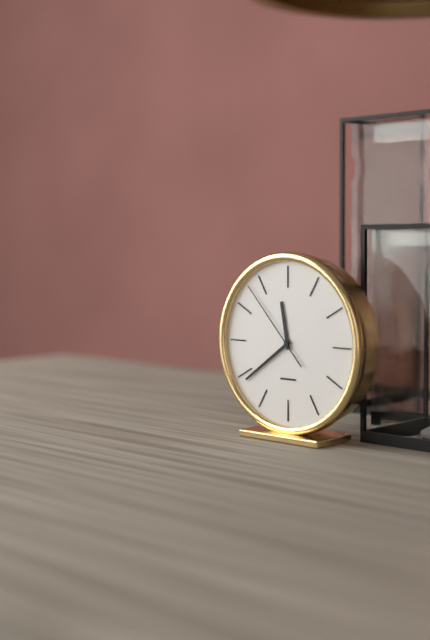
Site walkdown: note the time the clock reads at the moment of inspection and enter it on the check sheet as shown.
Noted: 11:39:53
